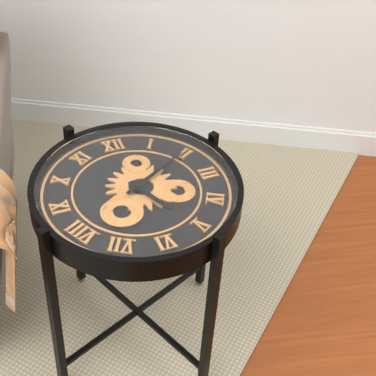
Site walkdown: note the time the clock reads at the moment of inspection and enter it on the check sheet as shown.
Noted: 5:10
